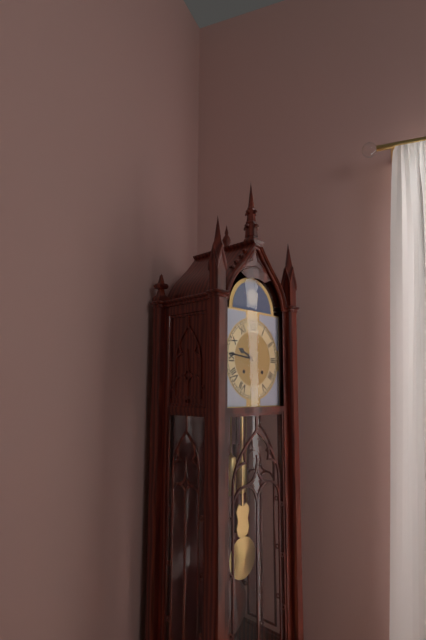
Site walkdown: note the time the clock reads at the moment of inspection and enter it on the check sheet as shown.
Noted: 9:46
